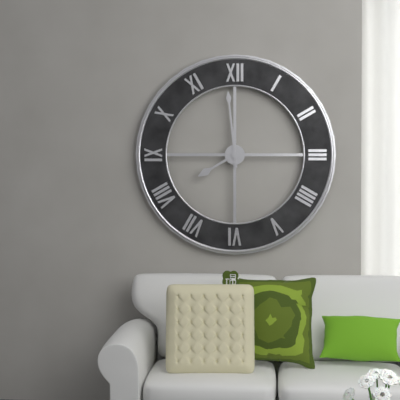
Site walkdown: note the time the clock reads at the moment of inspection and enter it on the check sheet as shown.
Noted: 7:59
